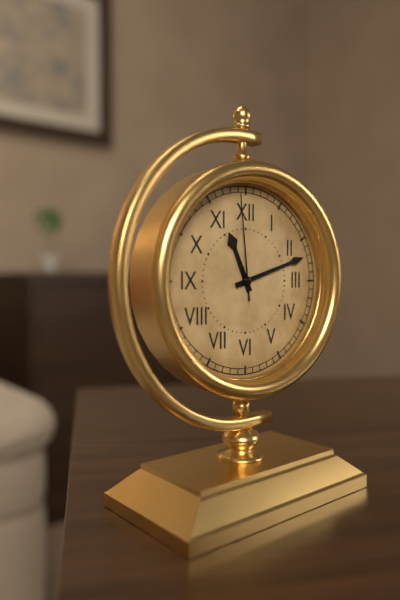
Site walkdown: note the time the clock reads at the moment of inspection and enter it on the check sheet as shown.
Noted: 11:12:59
